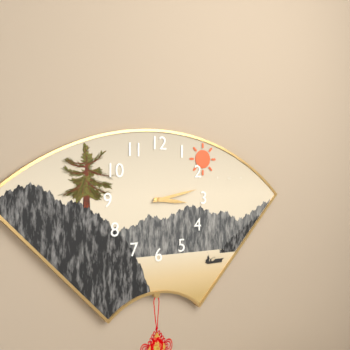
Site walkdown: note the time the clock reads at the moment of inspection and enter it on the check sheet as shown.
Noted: 3:13
